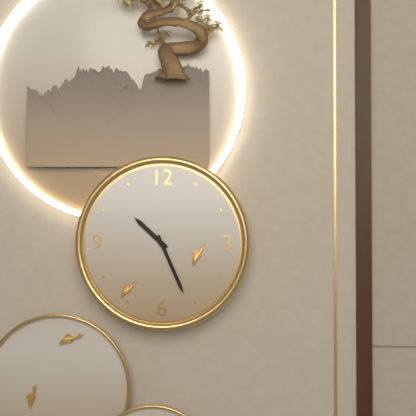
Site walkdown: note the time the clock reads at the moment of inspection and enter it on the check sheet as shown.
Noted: 10:26
